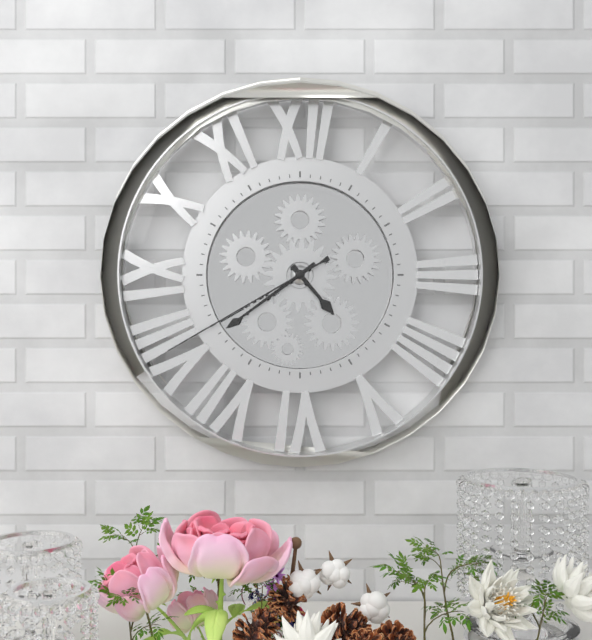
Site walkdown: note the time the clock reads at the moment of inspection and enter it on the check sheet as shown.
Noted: 4:39:40
